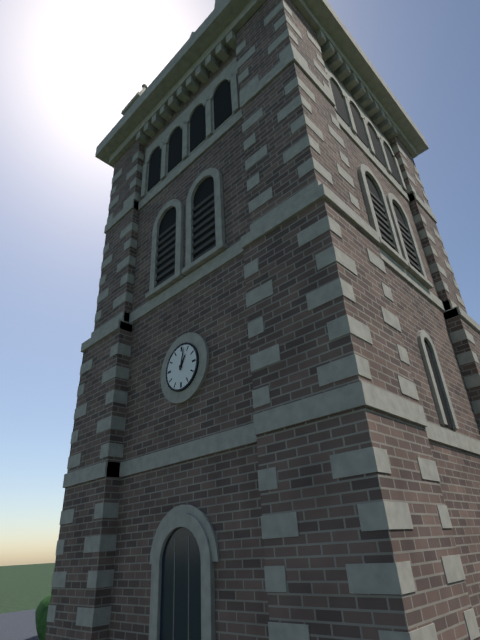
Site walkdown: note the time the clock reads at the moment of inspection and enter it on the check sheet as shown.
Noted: 1:02
